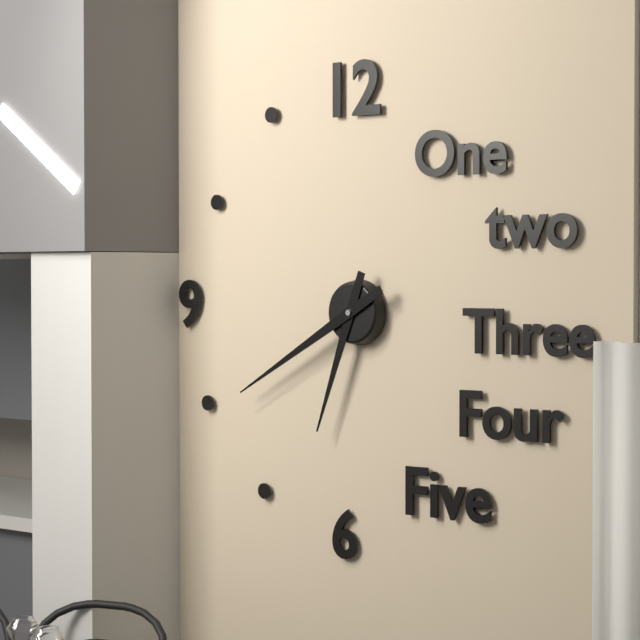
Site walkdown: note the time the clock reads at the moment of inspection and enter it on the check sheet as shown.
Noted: 6:40
